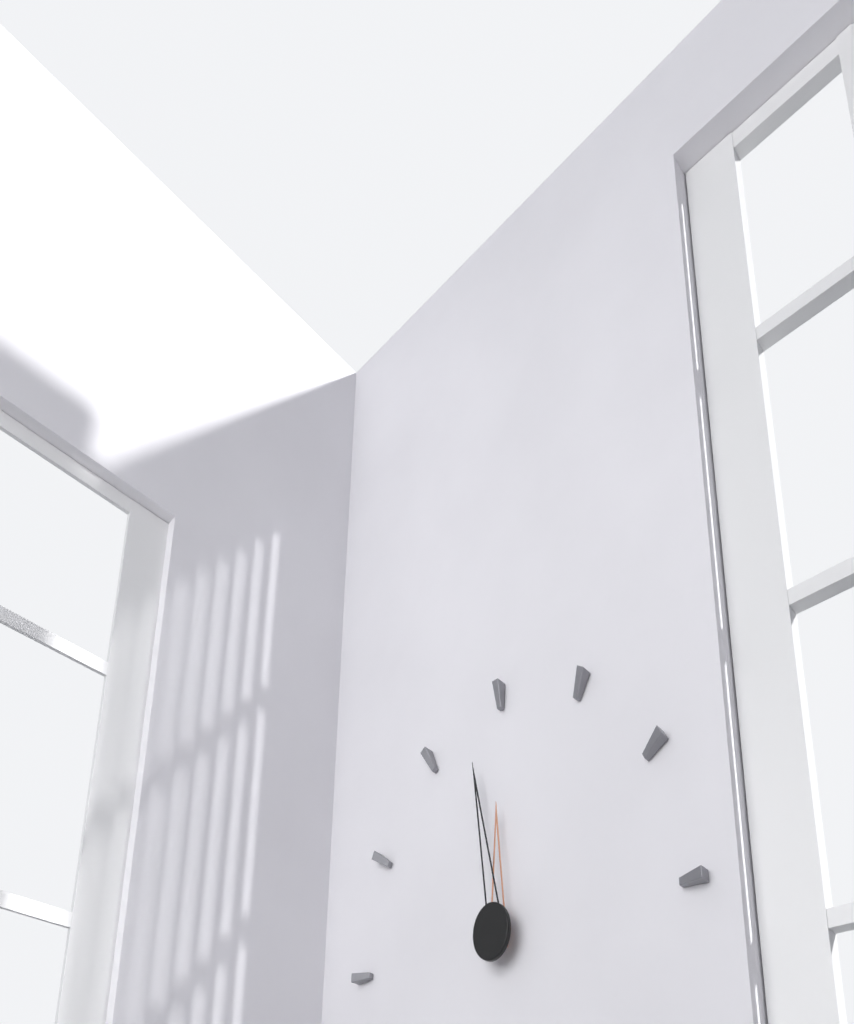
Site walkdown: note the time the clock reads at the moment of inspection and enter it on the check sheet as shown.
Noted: 11:58
